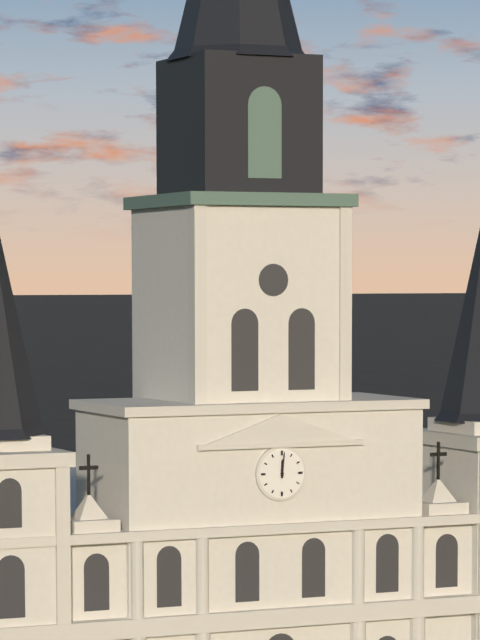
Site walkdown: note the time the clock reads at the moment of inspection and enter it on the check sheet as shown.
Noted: 12:01
